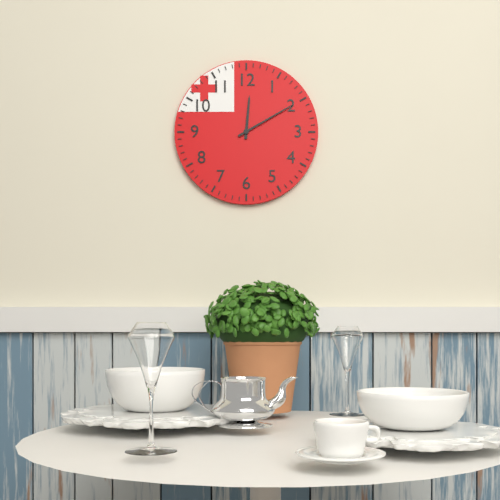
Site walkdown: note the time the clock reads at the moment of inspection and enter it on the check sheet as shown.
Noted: 12:10
